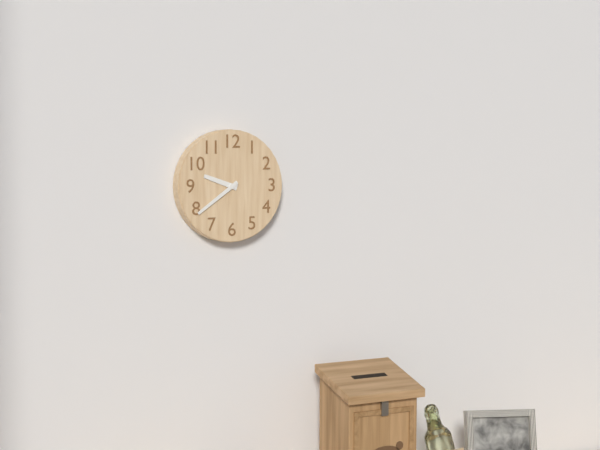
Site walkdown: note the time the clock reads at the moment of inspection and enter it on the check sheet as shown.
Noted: 9:39
